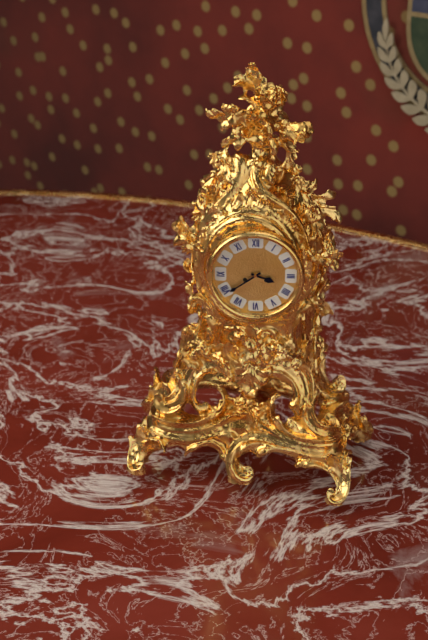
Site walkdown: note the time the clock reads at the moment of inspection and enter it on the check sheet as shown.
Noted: 3:39
